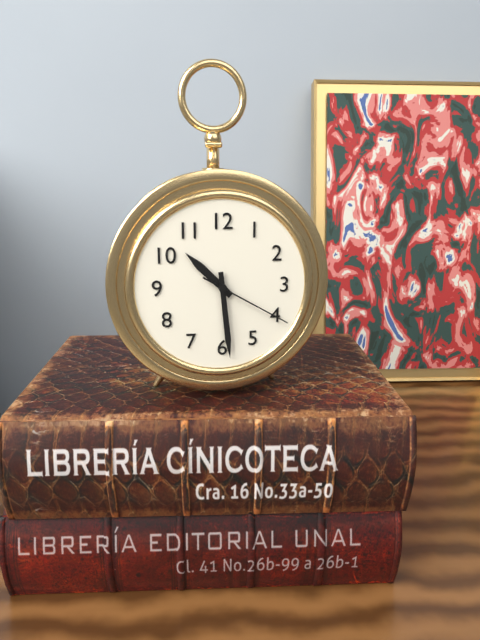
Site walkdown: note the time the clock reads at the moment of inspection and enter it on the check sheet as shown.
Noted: 10:29:20
